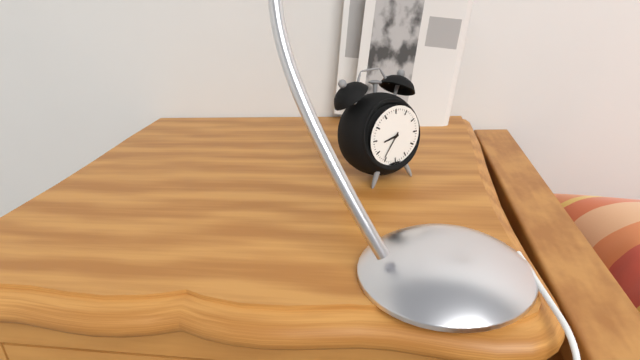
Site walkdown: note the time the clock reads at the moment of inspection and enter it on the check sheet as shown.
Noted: 8:36
